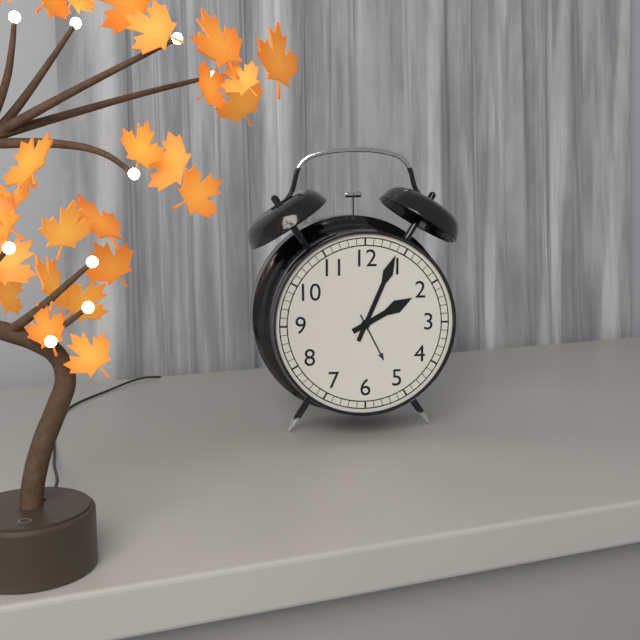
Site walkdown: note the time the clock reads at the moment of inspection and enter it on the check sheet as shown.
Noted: 2:04
